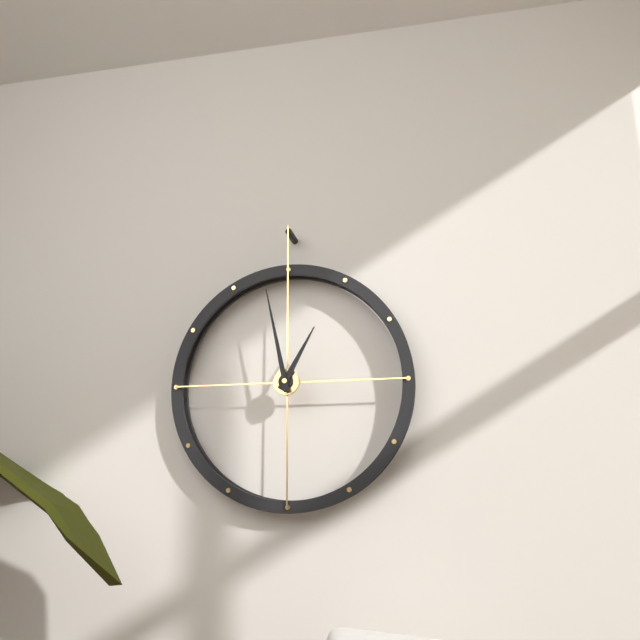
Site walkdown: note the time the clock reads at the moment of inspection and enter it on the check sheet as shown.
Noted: 12:58
